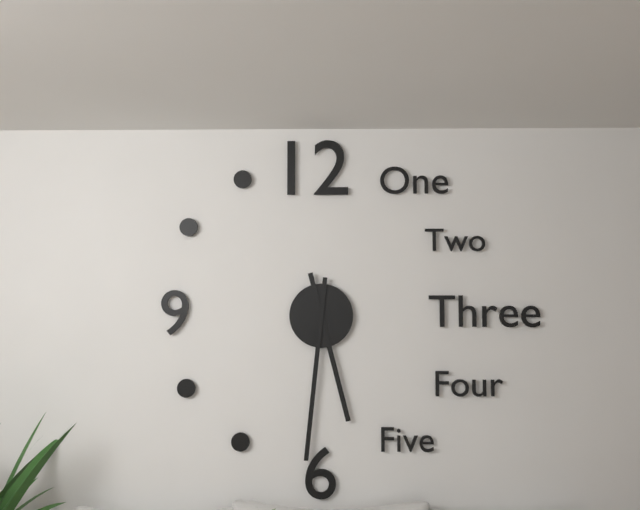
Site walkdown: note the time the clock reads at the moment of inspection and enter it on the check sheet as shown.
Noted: 5:31
